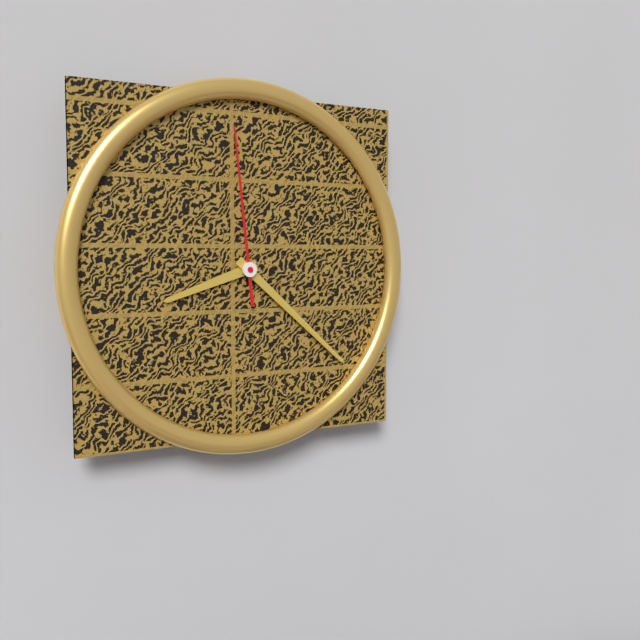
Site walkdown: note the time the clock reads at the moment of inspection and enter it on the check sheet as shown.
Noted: 8:22:59
